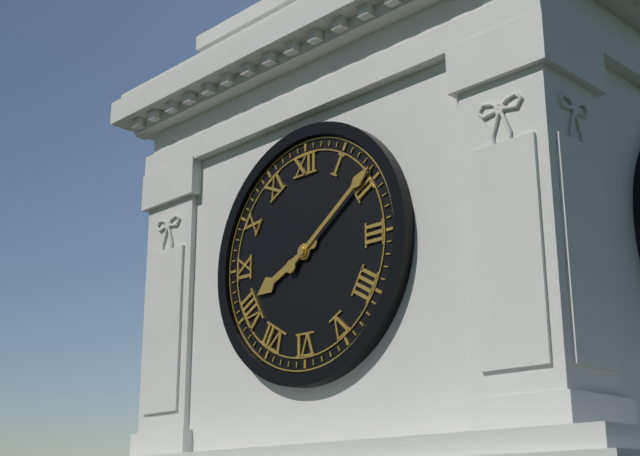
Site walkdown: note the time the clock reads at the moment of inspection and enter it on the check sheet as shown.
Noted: 8:09
